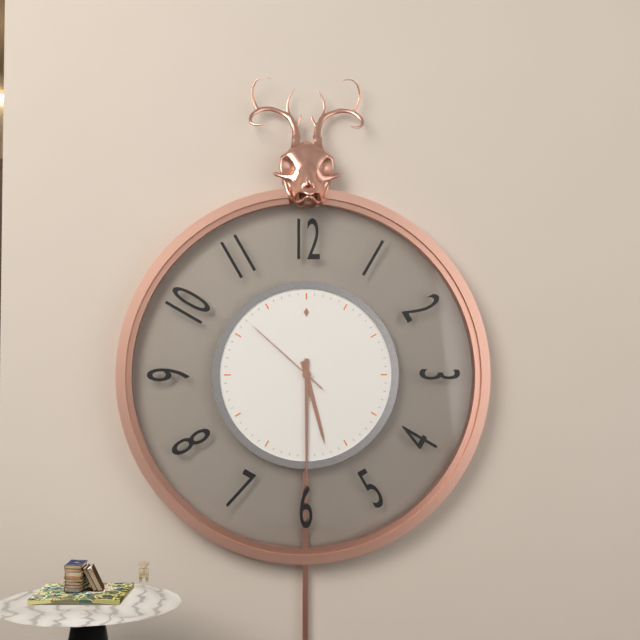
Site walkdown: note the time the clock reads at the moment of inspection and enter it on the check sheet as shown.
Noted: 5:30:52
